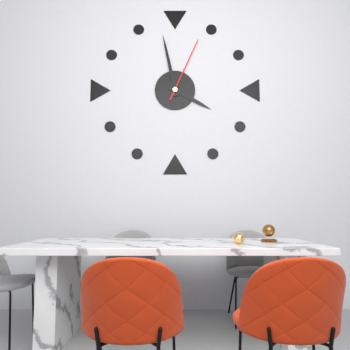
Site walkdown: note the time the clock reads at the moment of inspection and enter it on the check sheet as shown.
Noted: 3:58:04
